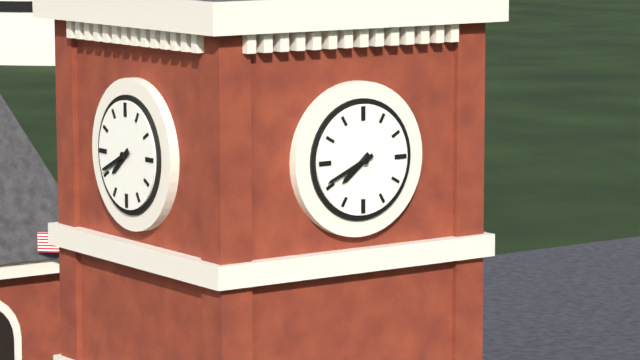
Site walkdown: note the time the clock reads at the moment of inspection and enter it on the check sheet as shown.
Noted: 7:41
